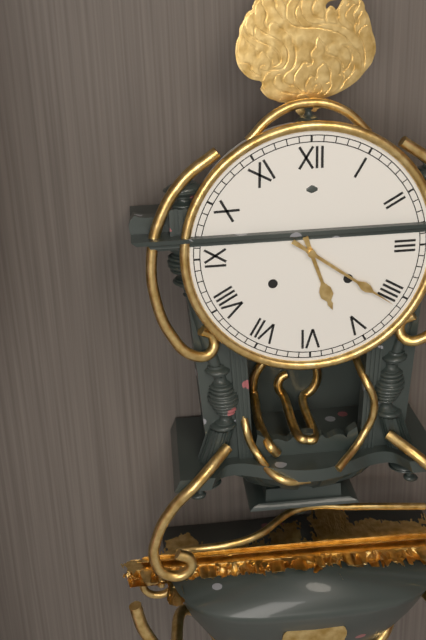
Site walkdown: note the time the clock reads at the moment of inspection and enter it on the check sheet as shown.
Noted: 5:21
